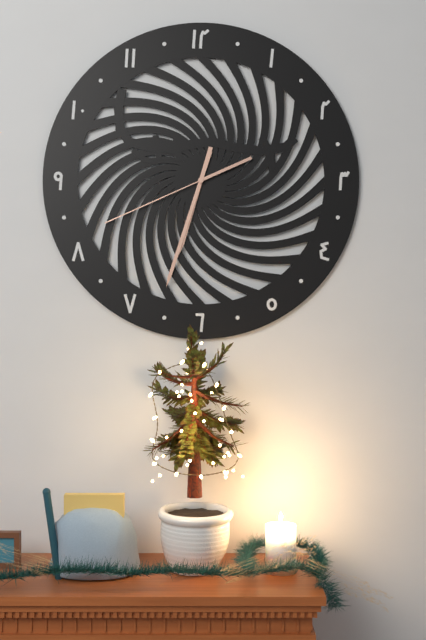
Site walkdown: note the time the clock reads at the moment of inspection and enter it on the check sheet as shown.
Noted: 6:33:41
